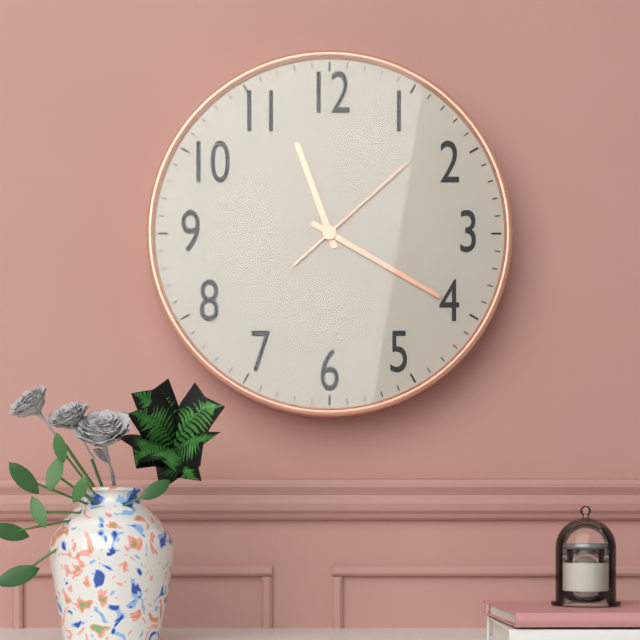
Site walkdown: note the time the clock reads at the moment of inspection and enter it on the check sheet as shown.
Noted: 11:20:08
